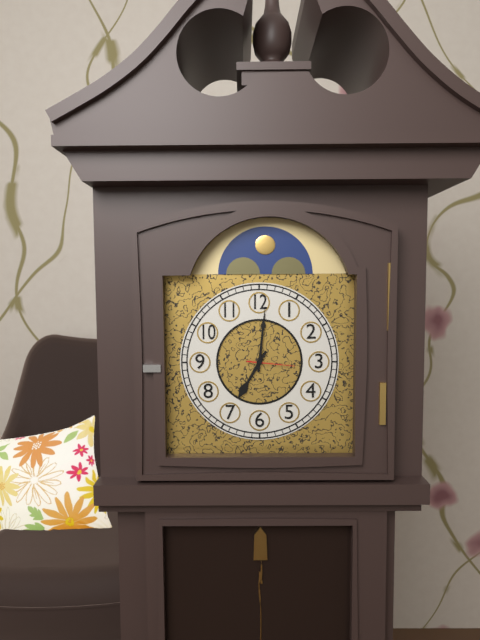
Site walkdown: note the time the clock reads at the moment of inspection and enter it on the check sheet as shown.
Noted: 7:01
